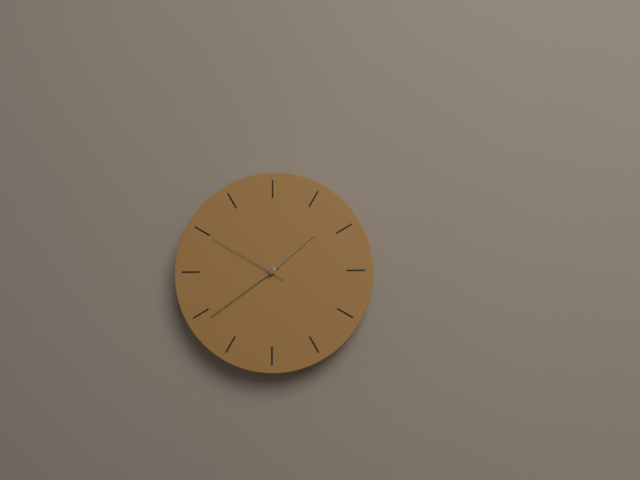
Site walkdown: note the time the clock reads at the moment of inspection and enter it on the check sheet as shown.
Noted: 1:39:50
